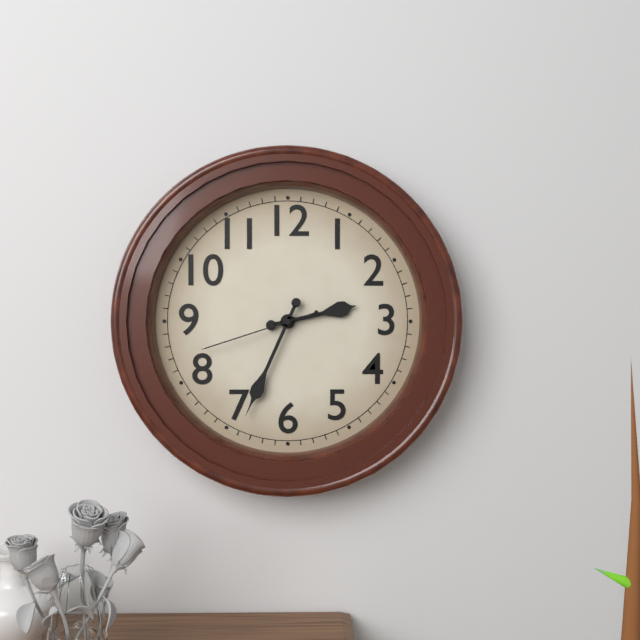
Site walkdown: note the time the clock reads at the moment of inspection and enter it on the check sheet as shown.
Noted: 2:34:42
